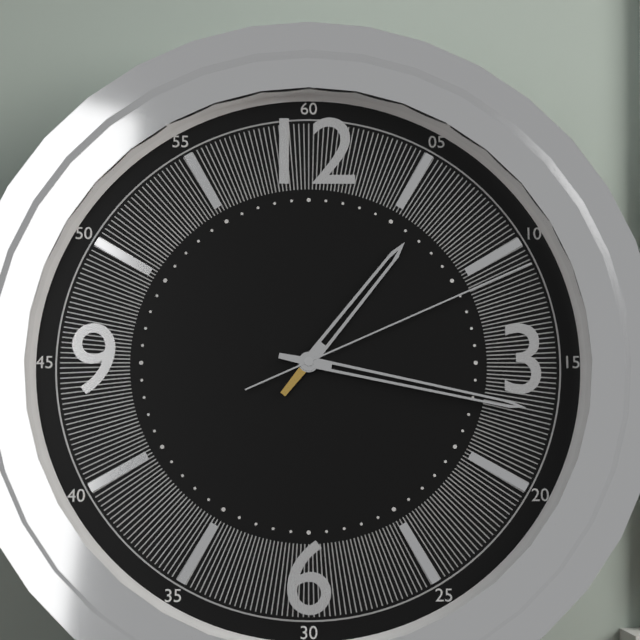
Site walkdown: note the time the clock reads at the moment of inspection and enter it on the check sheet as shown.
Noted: 1:17:11
